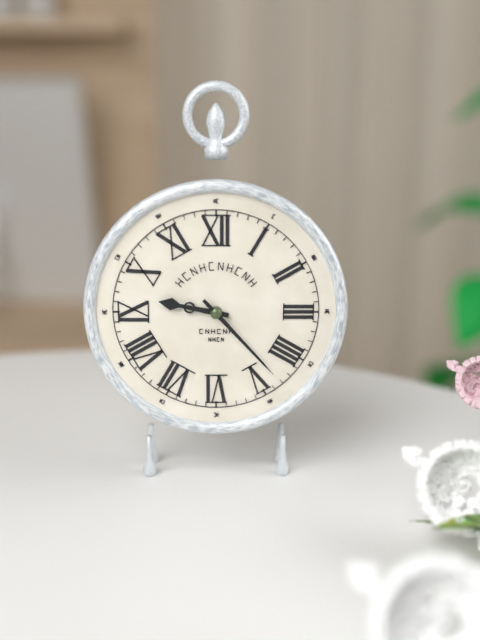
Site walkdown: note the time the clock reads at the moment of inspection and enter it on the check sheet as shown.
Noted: 9:23
